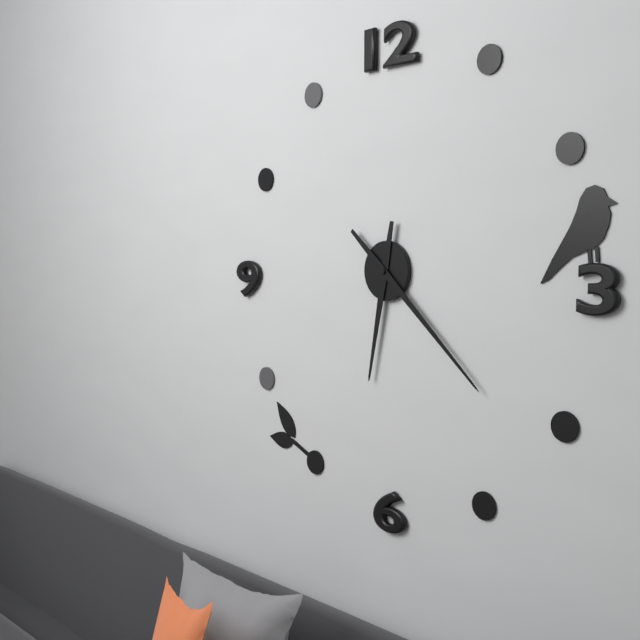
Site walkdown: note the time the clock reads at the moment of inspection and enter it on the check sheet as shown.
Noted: 6:22
